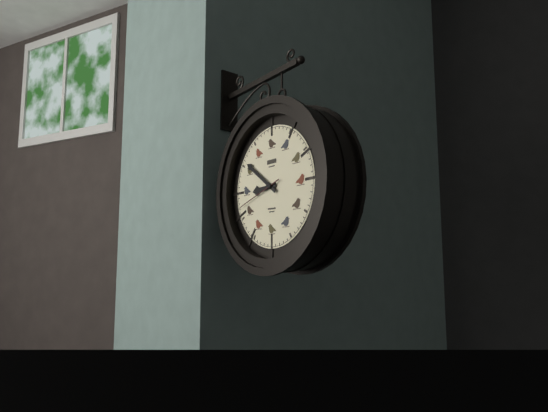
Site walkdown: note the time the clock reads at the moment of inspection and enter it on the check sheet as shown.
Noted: 8:51
